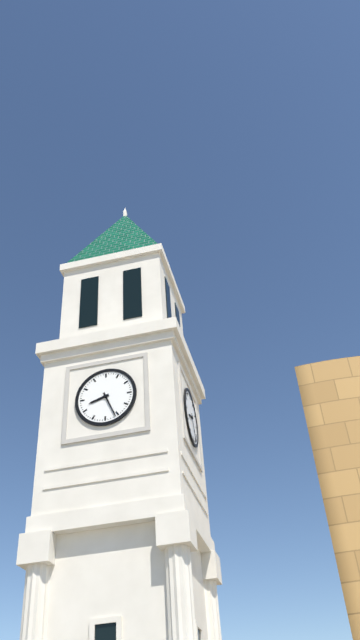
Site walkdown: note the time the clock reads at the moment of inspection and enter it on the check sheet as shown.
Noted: 8:26
